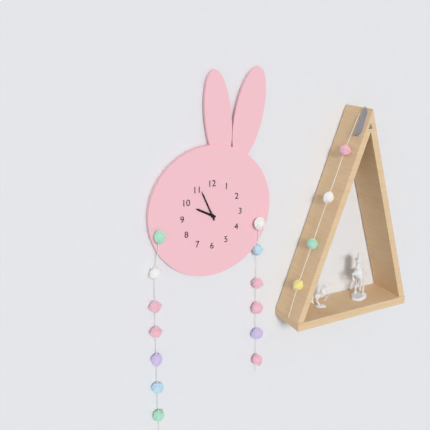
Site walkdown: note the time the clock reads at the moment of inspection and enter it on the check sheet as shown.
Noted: 9:56
